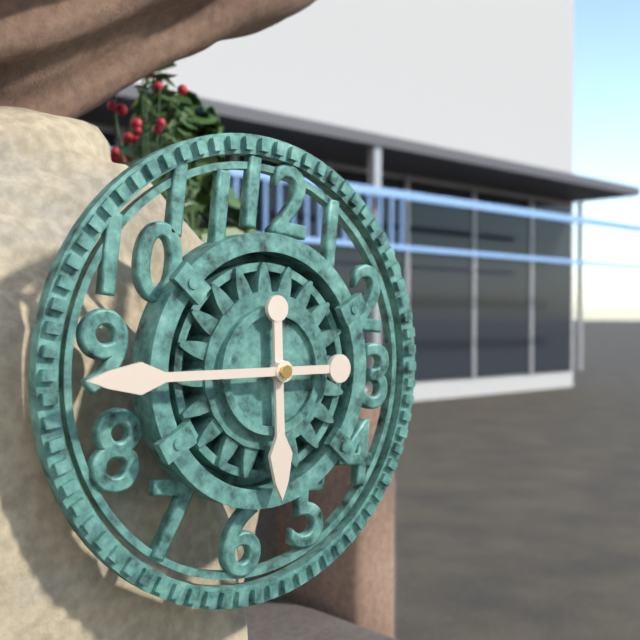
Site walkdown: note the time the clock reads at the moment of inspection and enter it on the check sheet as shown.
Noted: 5:44
